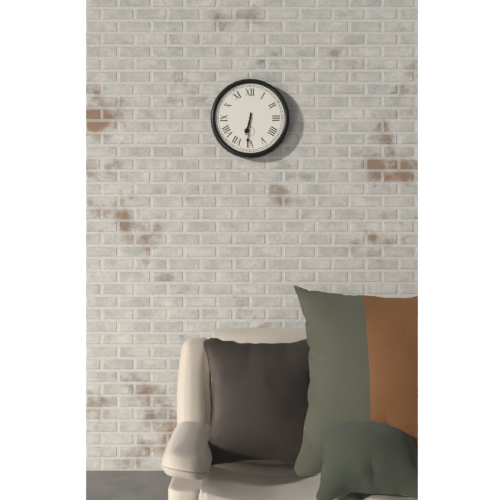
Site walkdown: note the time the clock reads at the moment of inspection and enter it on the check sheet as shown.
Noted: 6:31
